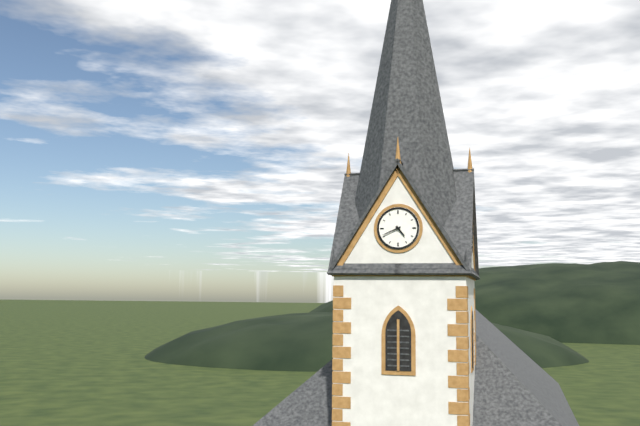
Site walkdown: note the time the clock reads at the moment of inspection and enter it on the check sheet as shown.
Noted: 4:41
